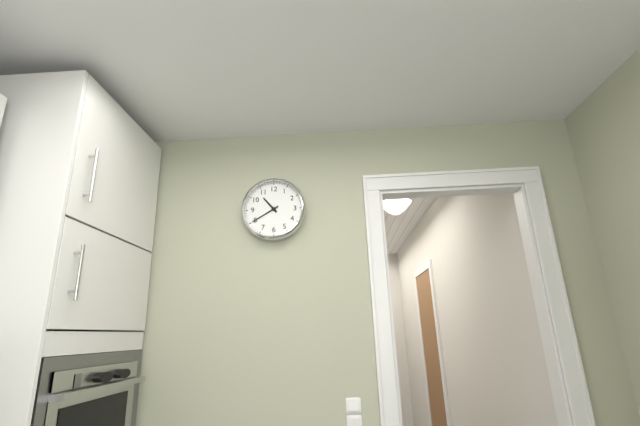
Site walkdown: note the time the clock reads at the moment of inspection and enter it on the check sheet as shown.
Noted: 10:40
